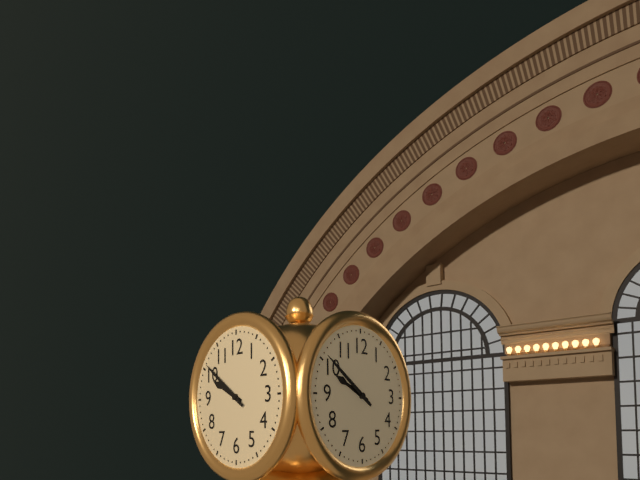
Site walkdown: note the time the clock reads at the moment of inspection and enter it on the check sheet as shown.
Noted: 9:51
